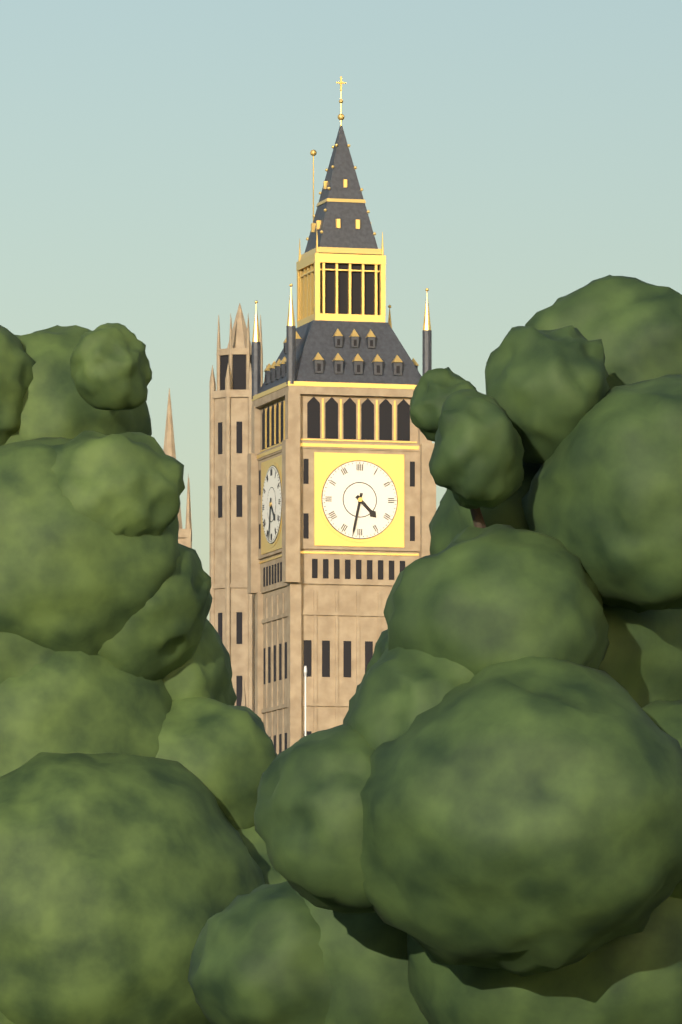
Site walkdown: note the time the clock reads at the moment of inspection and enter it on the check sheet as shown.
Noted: 4:32
